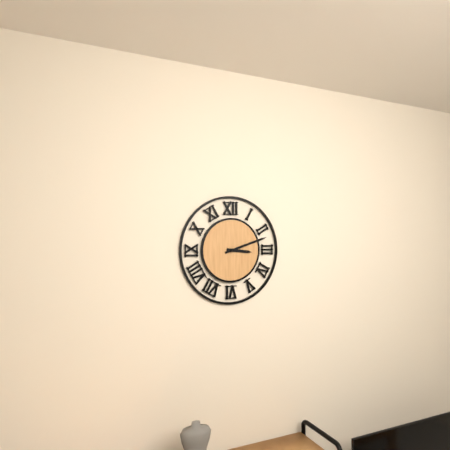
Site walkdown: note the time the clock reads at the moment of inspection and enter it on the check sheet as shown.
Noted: 3:12
